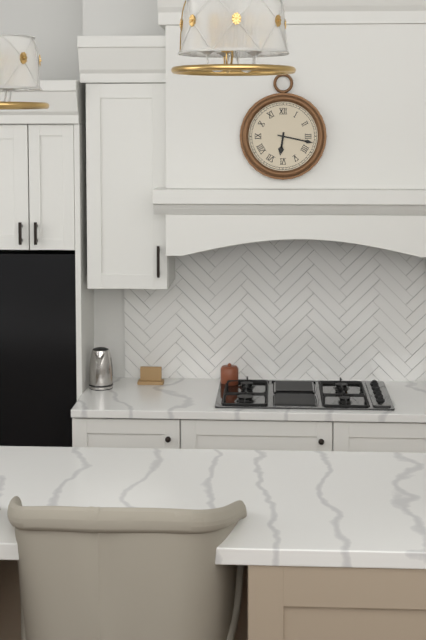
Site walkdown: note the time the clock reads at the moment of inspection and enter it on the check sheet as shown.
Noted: 6:17
